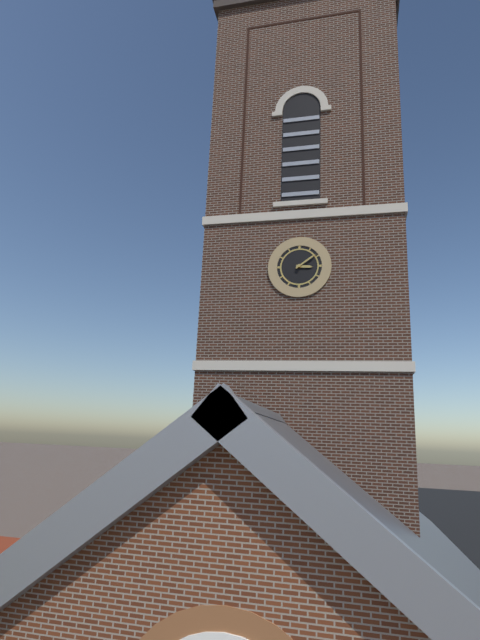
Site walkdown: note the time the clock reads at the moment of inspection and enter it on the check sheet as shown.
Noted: 3:09
